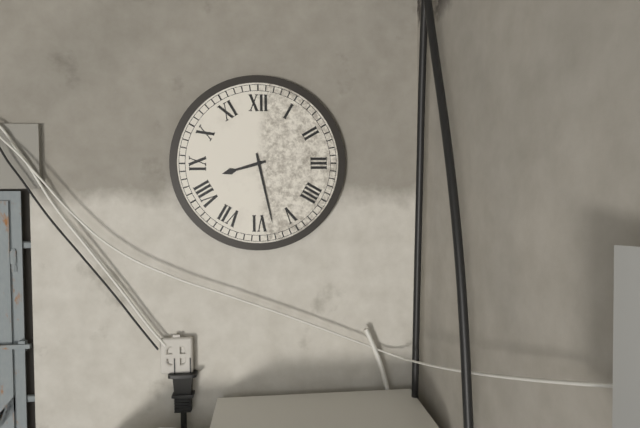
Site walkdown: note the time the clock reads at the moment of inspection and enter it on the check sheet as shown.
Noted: 8:28
